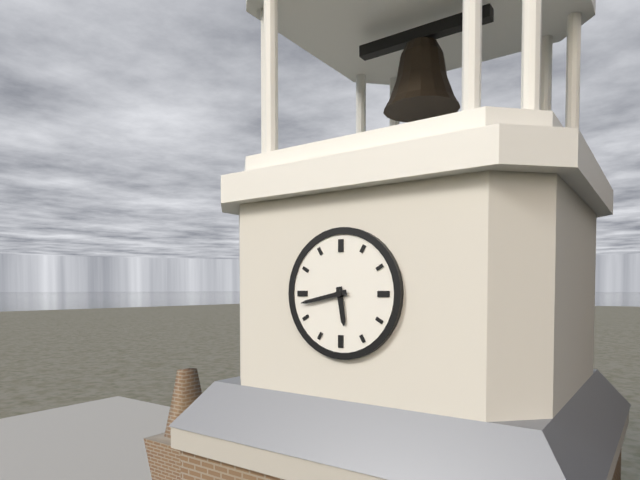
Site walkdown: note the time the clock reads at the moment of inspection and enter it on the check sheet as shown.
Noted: 5:43
